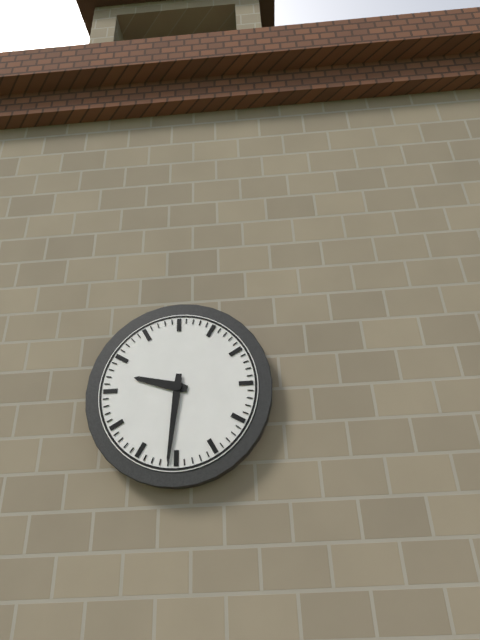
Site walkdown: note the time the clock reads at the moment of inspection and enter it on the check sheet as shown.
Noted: 9:31
